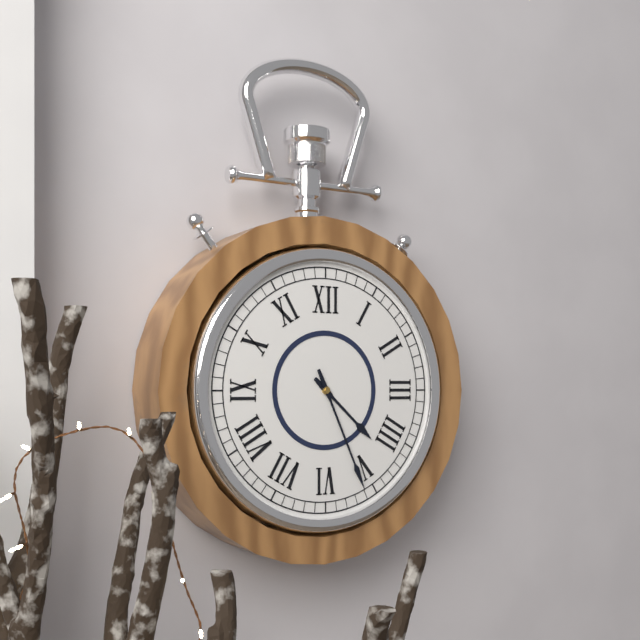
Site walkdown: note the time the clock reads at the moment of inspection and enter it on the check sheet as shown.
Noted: 4:26
